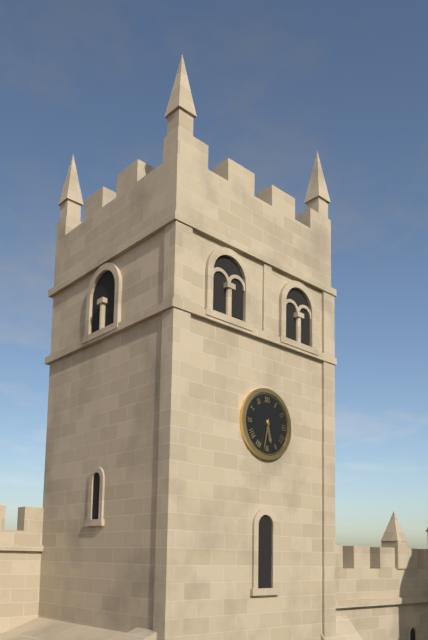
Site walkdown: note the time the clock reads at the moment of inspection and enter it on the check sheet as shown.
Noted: 5:32
